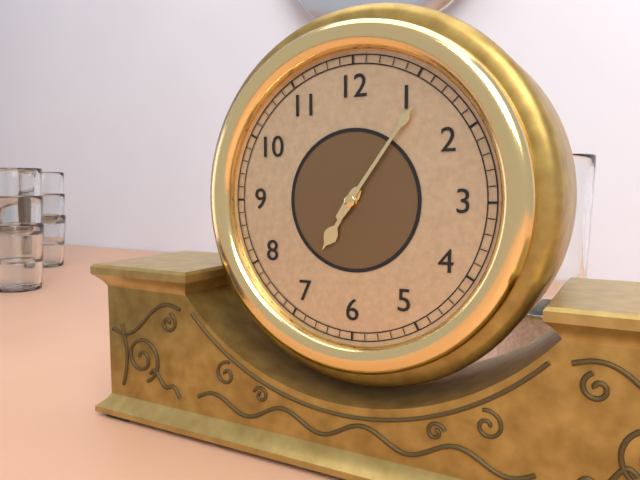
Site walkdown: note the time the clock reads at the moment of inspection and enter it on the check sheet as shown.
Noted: 7:06
